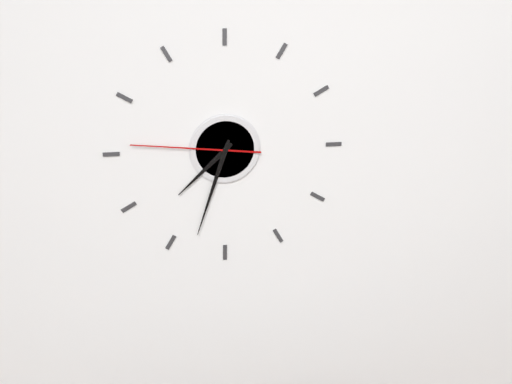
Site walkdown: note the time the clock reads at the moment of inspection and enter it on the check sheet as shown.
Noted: 7:33:46
